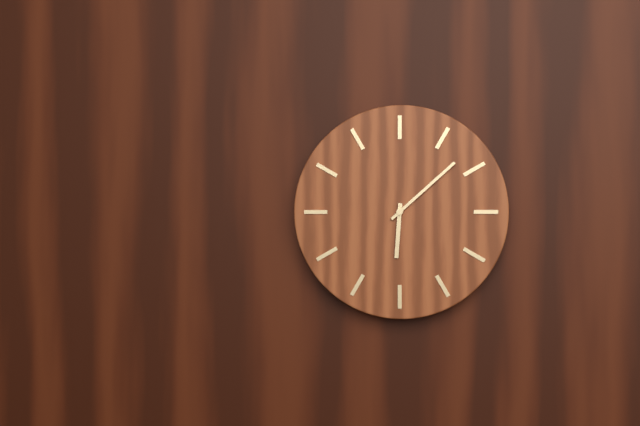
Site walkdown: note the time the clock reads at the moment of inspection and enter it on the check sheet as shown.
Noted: 6:08
